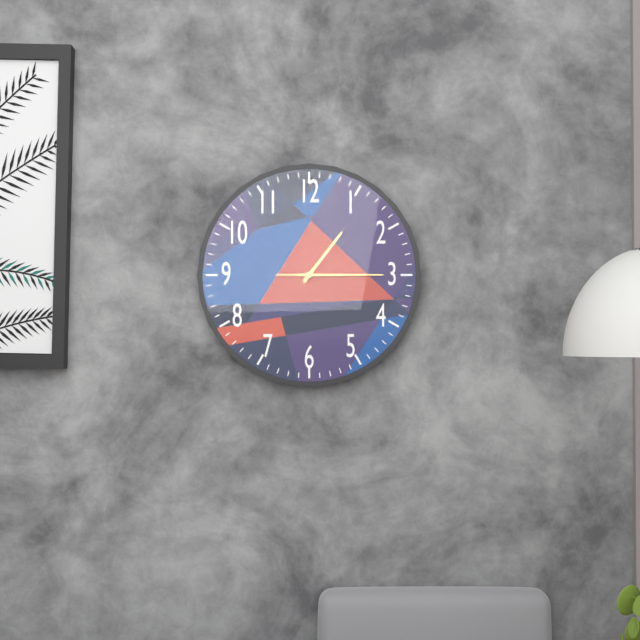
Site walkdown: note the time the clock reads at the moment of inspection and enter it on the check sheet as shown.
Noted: 1:15:15
